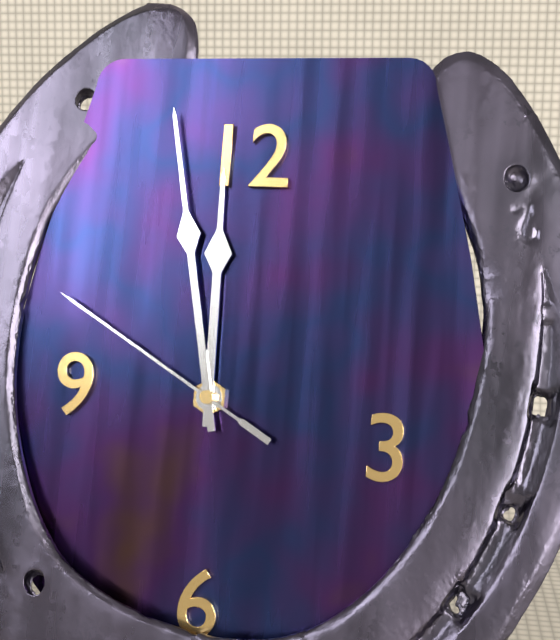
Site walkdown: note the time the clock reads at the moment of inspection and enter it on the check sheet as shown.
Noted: 11:58:50
